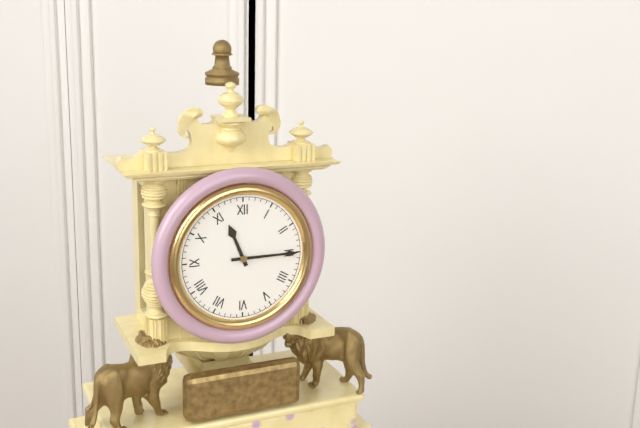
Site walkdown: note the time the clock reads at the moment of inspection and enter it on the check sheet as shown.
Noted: 11:15
